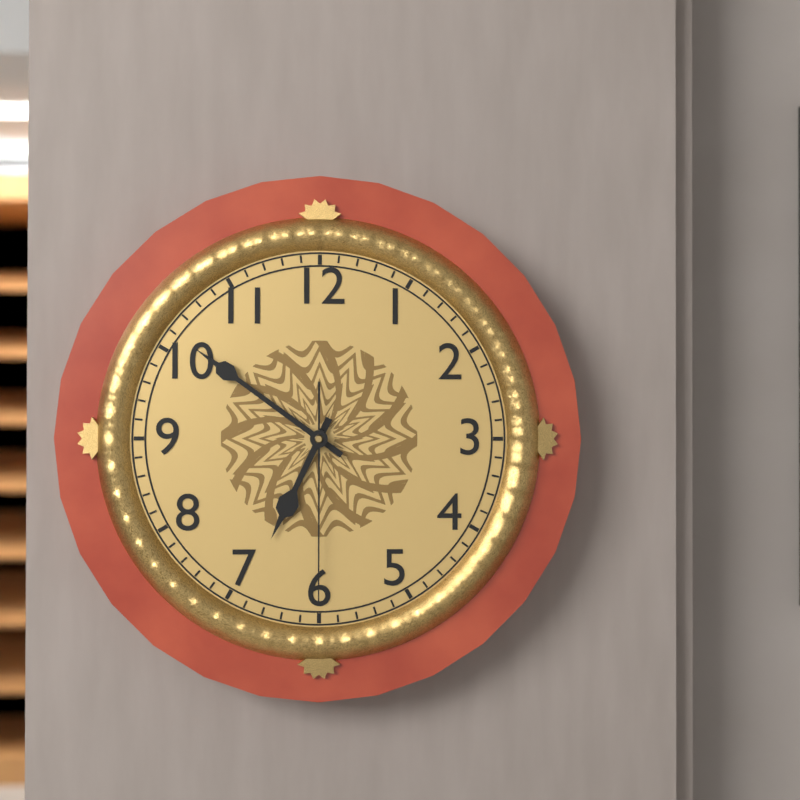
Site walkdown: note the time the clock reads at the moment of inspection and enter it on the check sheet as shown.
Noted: 6:51:30
